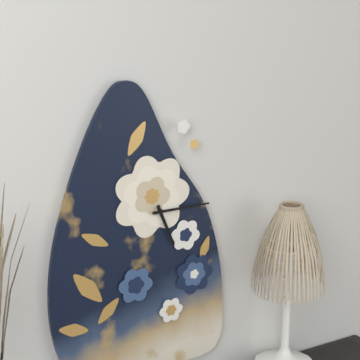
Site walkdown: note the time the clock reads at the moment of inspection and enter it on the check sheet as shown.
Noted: 5:15
